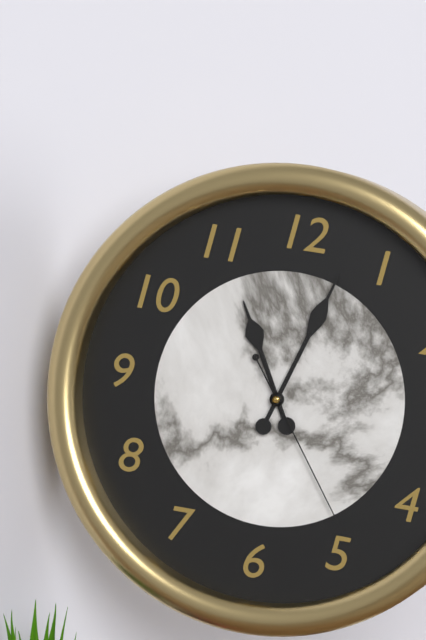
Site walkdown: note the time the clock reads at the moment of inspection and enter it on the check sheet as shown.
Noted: 11:03:24
